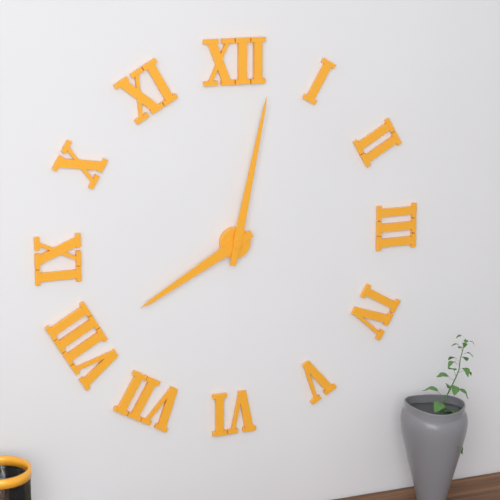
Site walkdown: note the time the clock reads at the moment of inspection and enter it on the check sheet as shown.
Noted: 8:02
